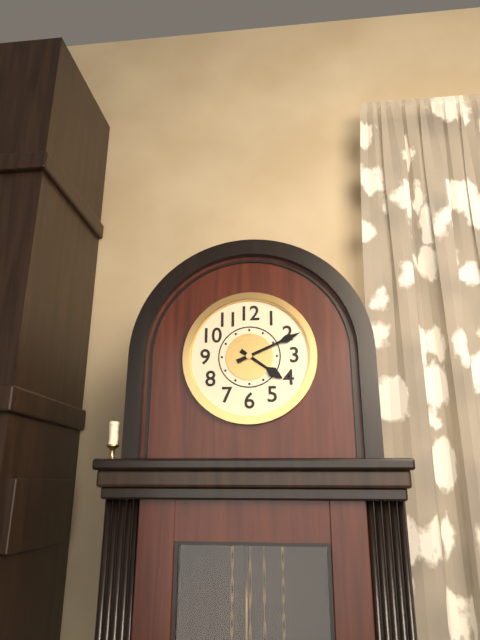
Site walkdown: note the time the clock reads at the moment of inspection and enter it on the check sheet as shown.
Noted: 4:11
